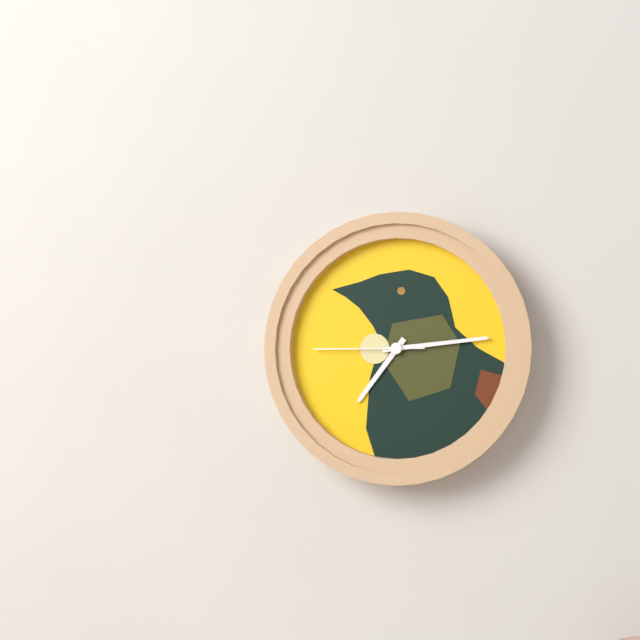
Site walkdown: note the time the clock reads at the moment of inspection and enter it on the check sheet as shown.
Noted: 7:14:45
